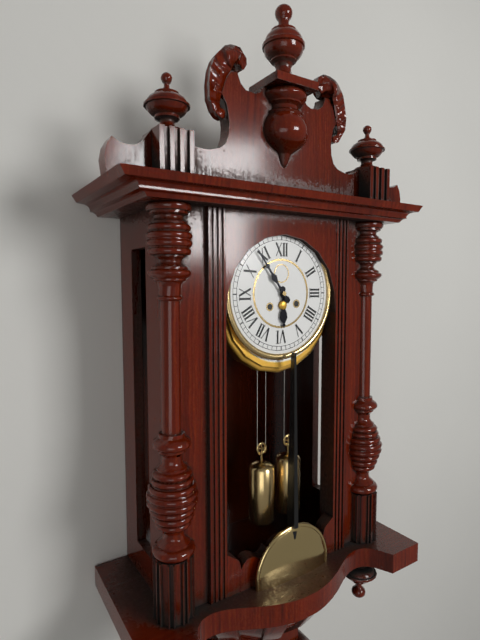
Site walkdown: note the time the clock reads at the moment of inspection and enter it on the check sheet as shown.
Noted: 5:54
